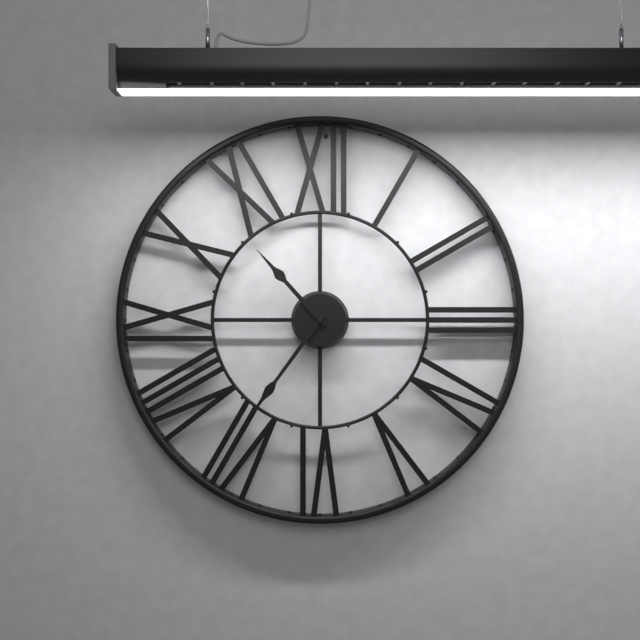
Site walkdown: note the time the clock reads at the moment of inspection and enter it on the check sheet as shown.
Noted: 10:36
